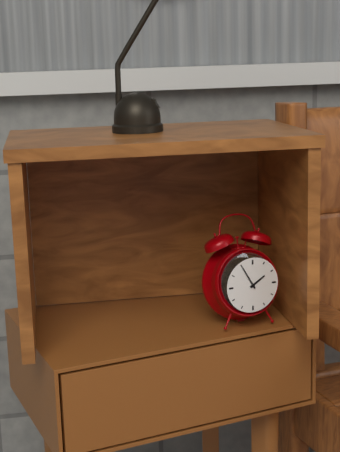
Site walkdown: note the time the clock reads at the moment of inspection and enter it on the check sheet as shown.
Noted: 1:55
